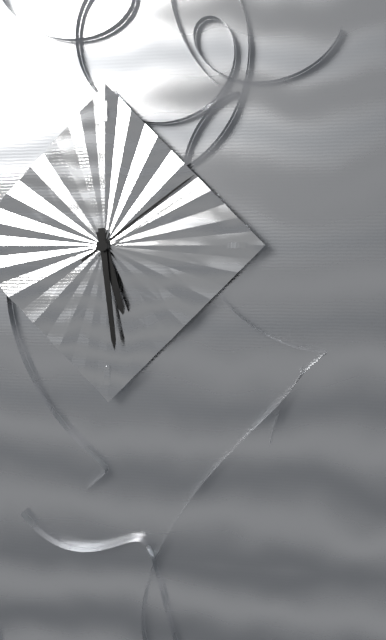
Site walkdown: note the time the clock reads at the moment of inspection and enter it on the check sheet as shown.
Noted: 5:29:09
